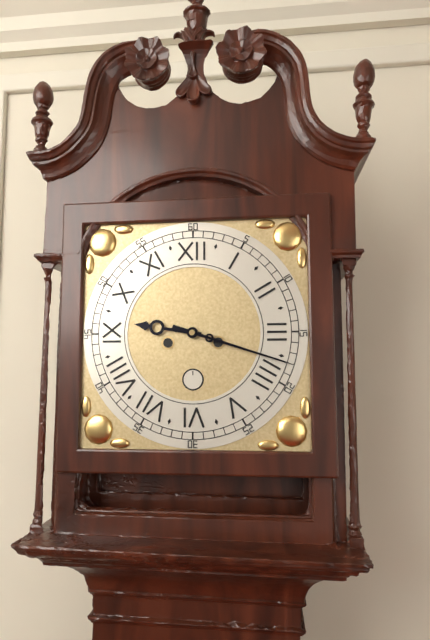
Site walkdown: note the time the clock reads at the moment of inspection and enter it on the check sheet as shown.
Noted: 9:18
